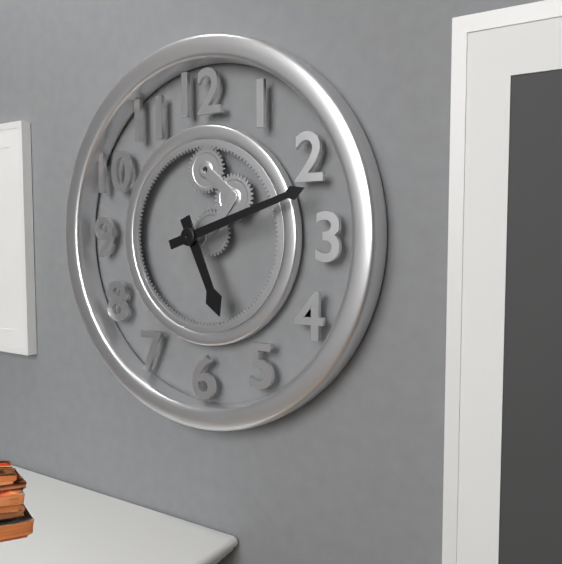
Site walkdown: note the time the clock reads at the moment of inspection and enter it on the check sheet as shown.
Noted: 5:12
